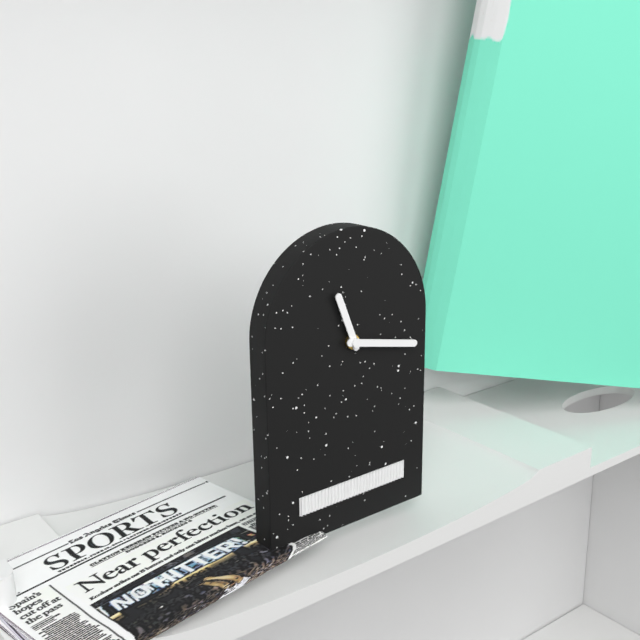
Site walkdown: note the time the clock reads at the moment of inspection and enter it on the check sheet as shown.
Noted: 11:17
